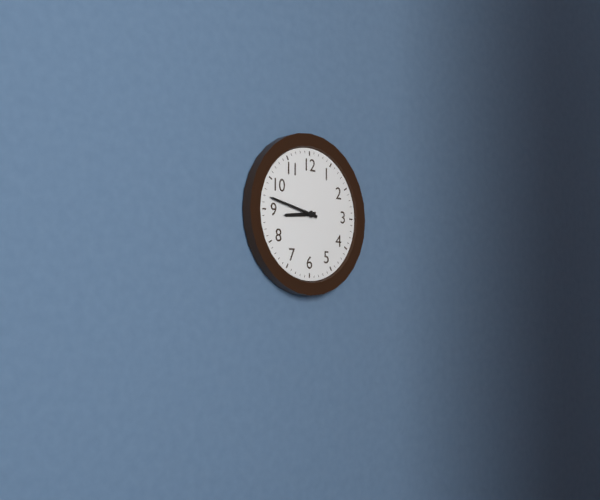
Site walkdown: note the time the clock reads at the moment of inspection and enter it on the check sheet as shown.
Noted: 8:47
